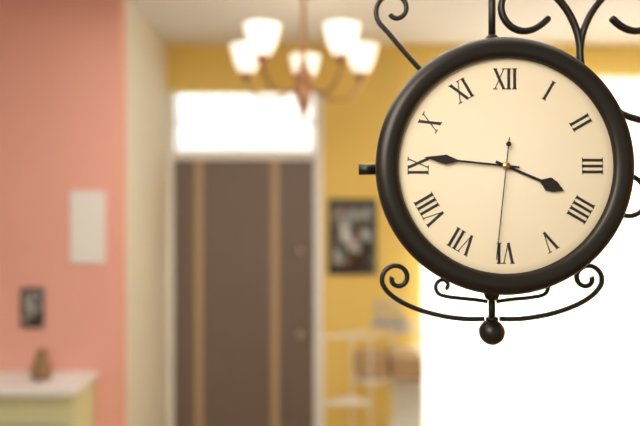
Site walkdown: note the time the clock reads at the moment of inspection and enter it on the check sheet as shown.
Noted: 3:46:31
